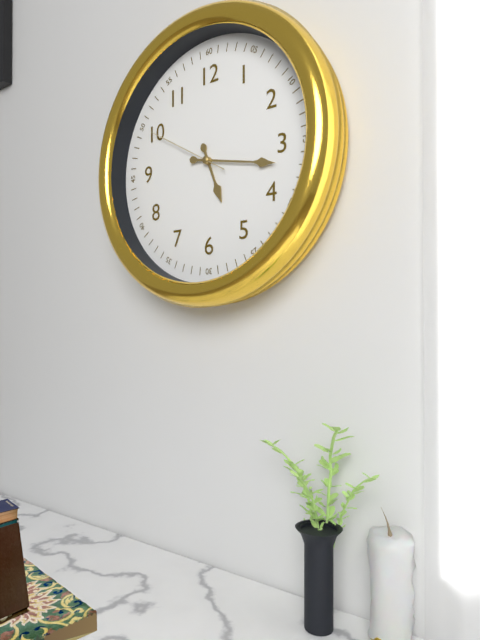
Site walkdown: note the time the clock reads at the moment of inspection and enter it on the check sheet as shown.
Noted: 5:17:50
